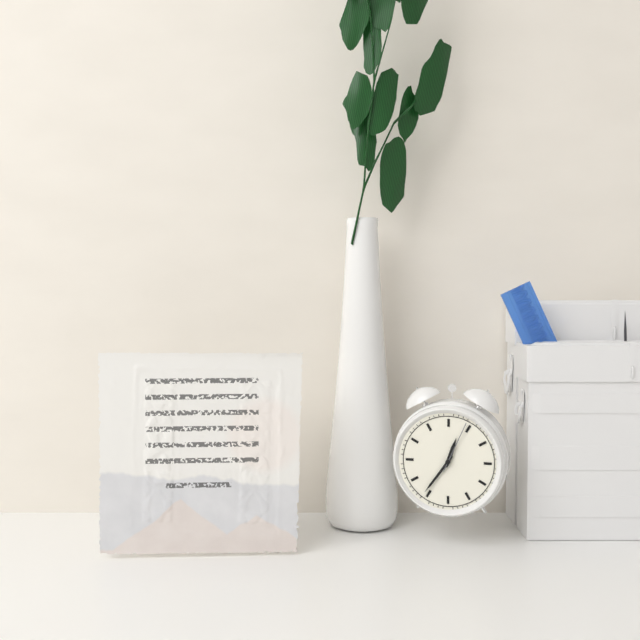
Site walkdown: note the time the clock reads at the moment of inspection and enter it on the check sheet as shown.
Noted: 12:36:04
